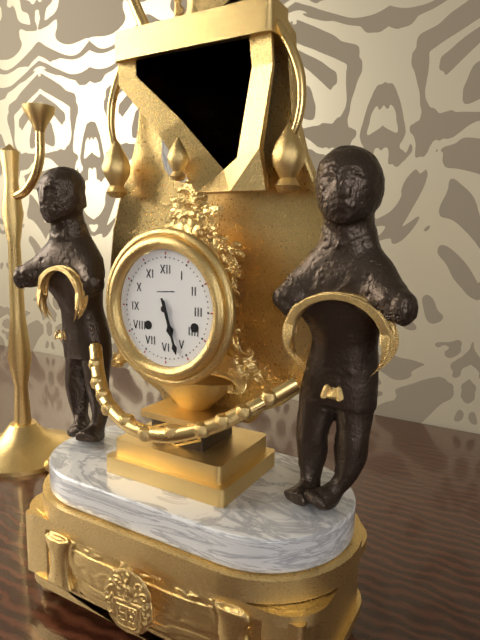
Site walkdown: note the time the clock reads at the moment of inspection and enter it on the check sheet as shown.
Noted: 5:27
